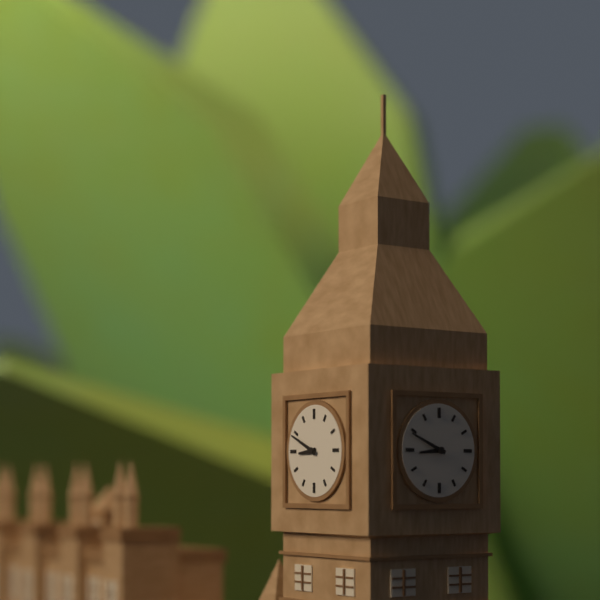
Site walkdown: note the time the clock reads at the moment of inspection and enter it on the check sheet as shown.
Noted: 8:49
